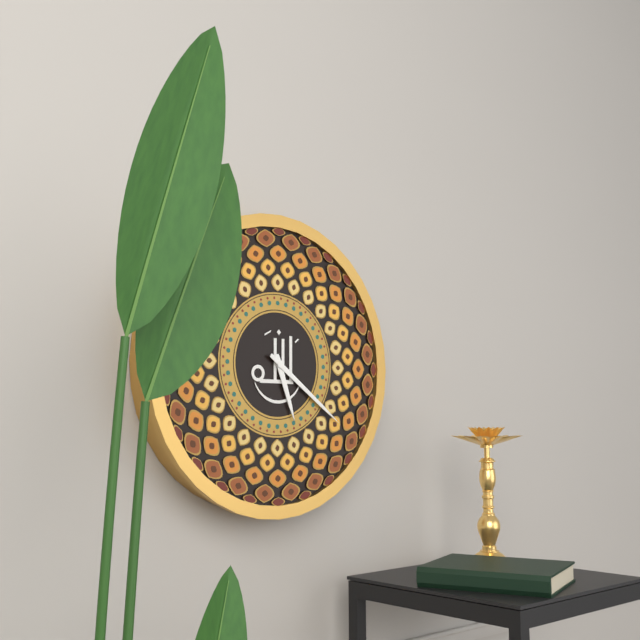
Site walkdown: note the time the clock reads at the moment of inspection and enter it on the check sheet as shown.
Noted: 5:21
